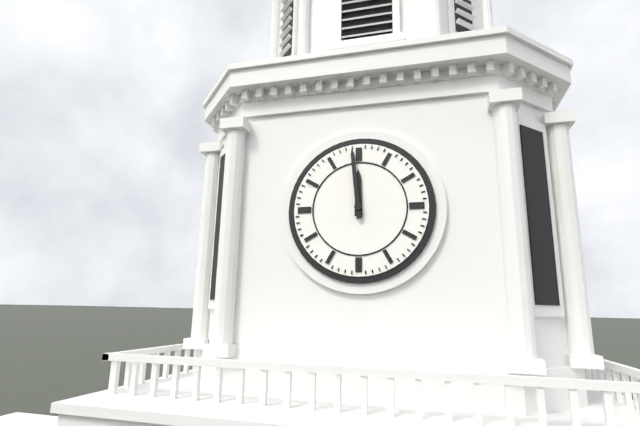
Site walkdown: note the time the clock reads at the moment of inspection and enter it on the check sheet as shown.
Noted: 11:59
